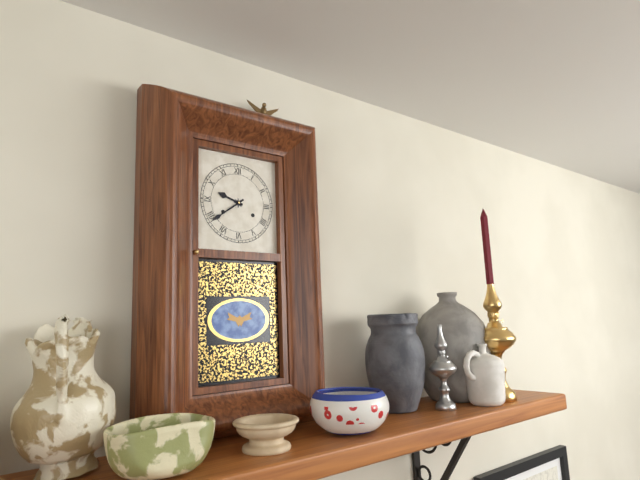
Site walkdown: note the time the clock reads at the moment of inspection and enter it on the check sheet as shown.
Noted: 9:39
